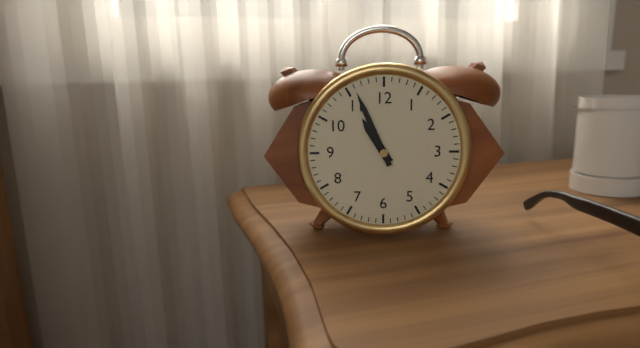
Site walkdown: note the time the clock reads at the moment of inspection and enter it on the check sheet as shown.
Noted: 10:56
